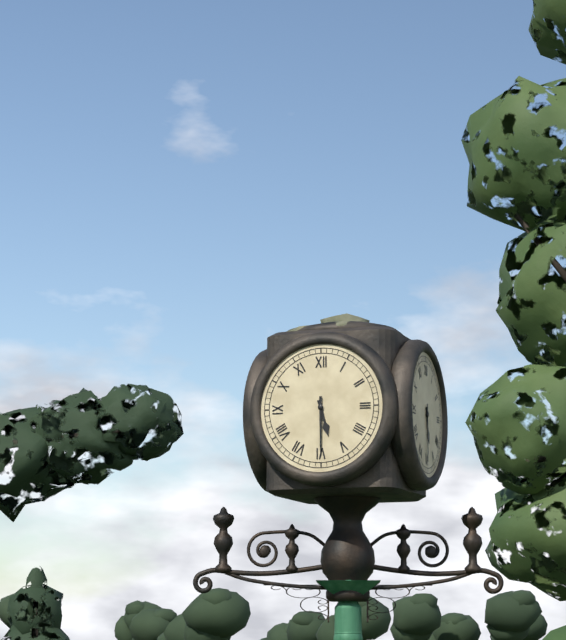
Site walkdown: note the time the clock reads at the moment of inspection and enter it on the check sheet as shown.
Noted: 5:30
